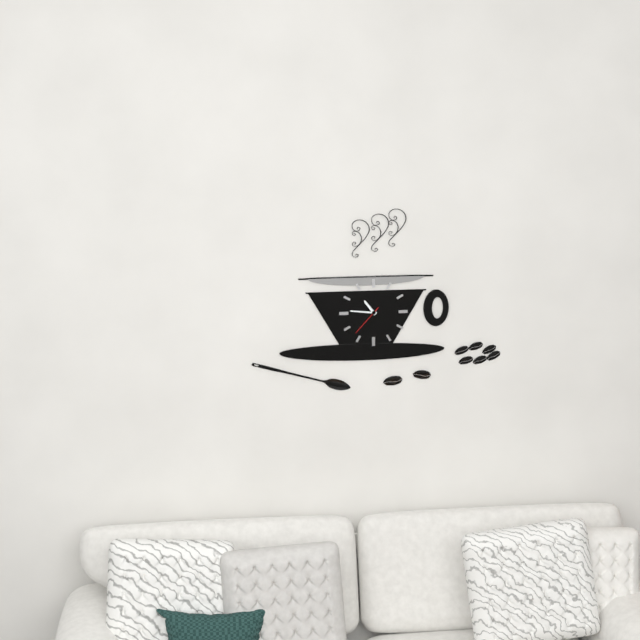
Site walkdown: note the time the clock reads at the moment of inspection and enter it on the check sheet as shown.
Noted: 10:46
